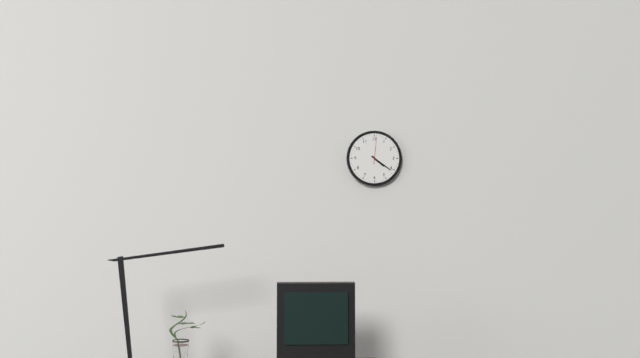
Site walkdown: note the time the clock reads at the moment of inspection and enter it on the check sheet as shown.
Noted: 4:21
